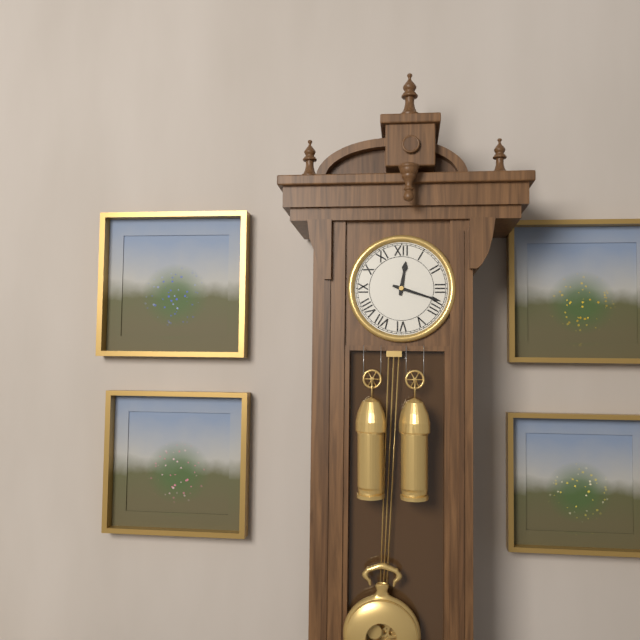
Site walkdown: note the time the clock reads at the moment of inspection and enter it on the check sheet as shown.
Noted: 12:18
